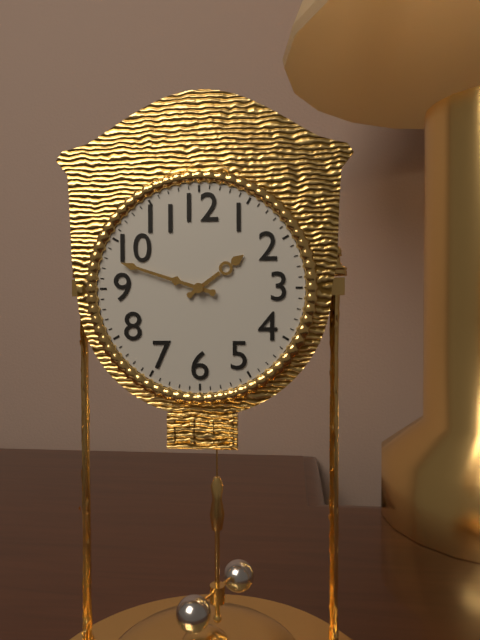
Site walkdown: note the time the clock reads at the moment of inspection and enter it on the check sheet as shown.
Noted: 1:48
